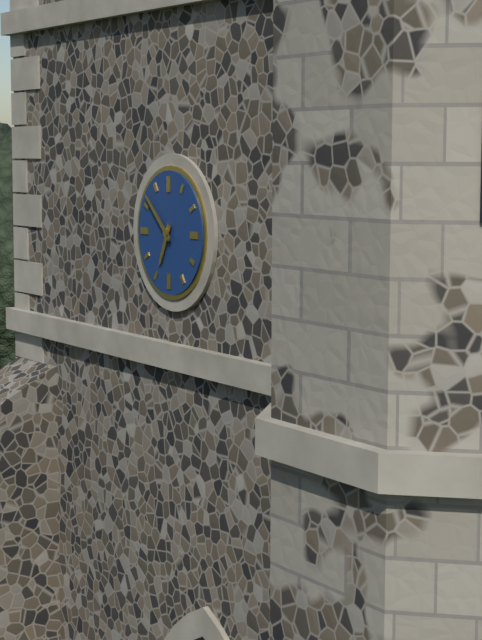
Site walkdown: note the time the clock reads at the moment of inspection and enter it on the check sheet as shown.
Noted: 6:52
